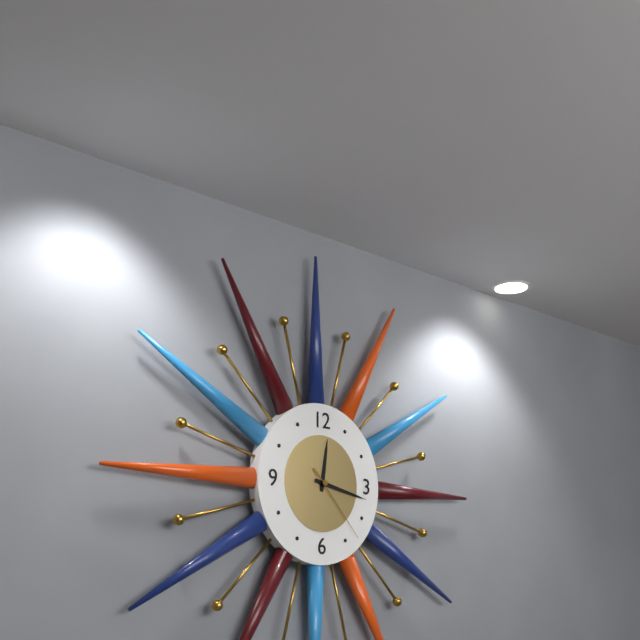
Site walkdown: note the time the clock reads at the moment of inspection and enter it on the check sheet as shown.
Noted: 12:17:23
